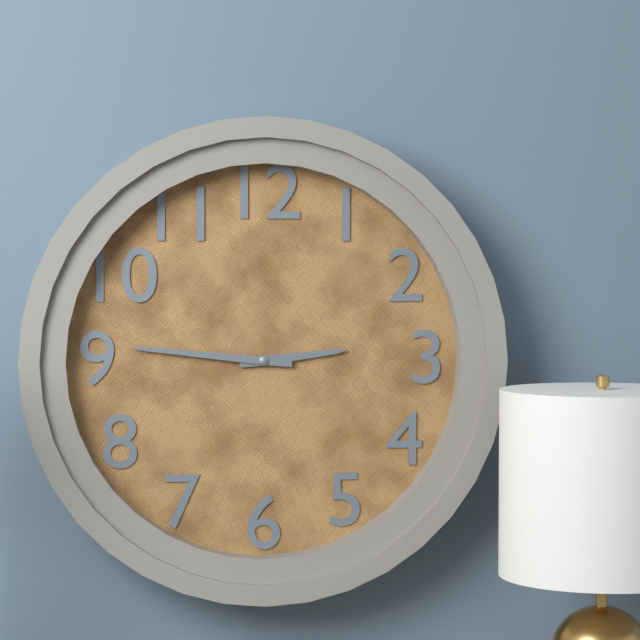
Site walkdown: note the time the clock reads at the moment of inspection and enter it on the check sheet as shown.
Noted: 2:46
